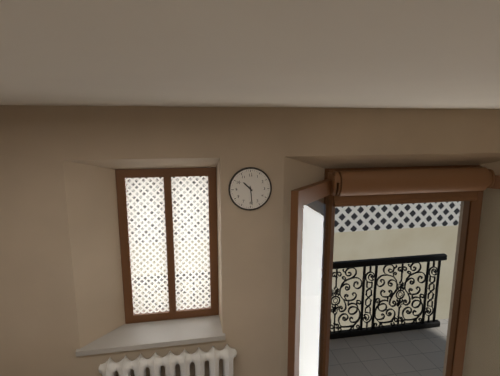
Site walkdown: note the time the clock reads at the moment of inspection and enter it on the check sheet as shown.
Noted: 10:29
